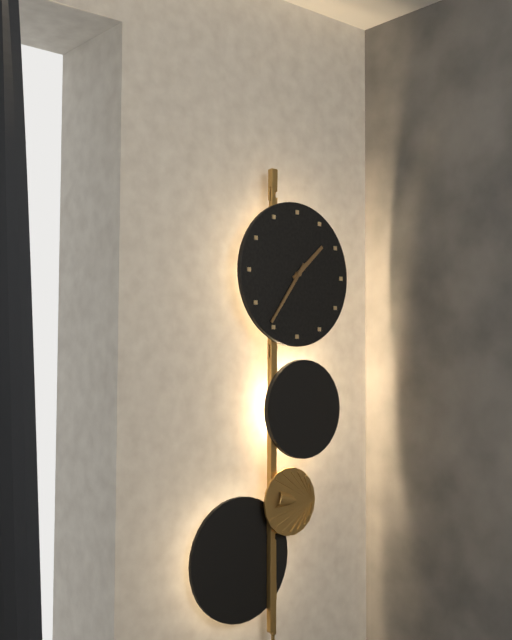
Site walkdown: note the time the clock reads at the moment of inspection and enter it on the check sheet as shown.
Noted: 1:36
